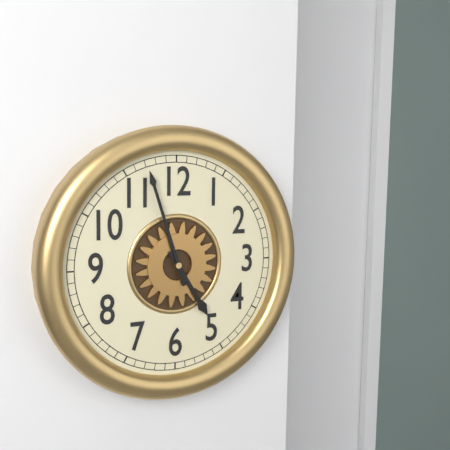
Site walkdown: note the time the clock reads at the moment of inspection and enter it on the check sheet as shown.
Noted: 4:57
